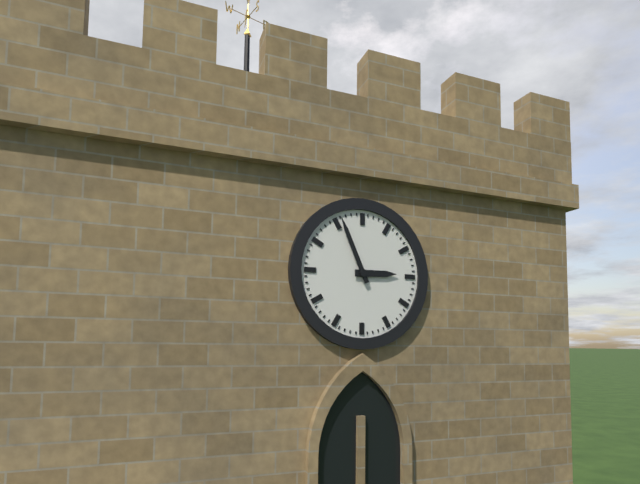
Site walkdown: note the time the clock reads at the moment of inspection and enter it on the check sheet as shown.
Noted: 2:56
